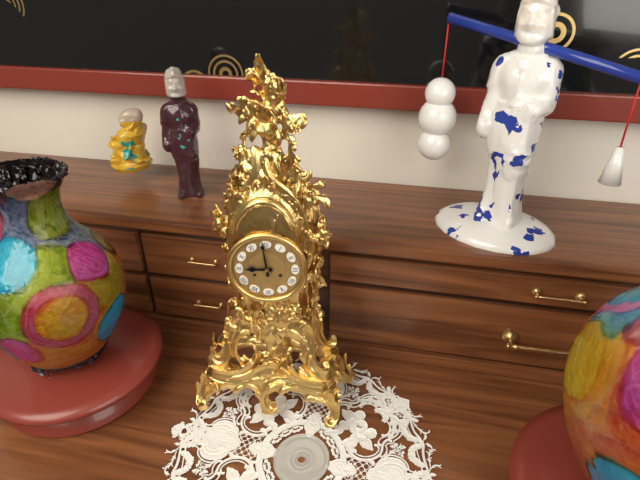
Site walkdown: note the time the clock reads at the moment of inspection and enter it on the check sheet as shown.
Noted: 8:59
